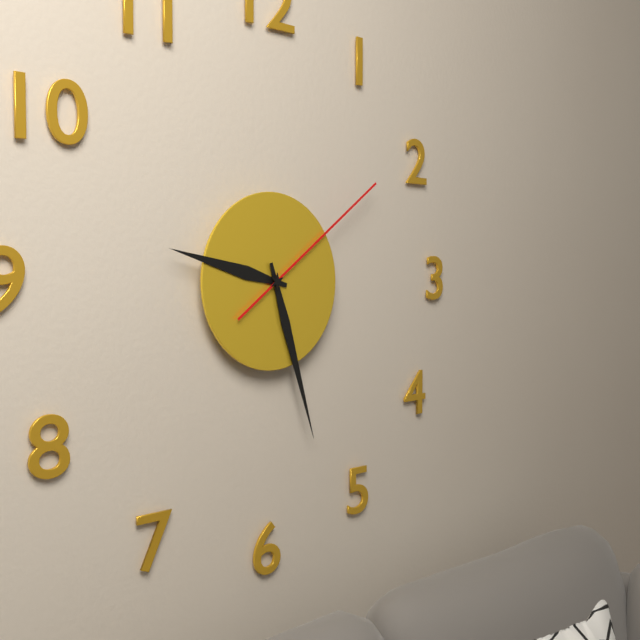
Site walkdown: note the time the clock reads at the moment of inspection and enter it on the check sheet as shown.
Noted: 9:27:09
